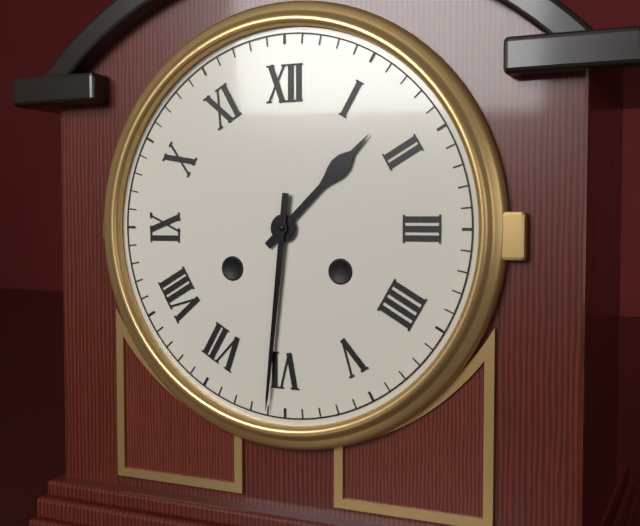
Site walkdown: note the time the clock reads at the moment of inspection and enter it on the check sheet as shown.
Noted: 1:31
